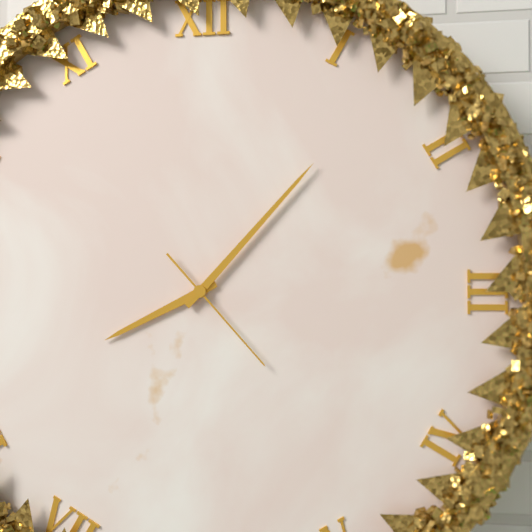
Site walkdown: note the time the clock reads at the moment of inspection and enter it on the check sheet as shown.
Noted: 8:07:23
